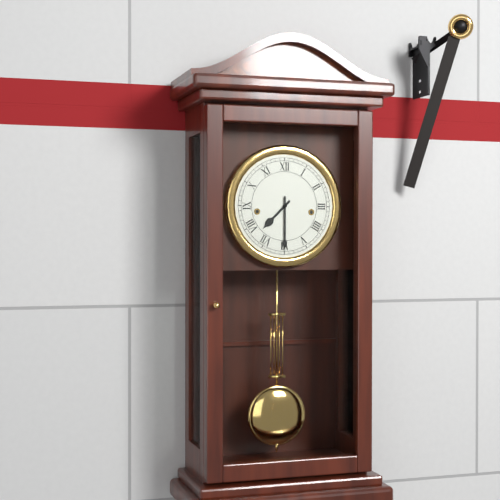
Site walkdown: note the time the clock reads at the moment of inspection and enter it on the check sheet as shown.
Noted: 7:30
